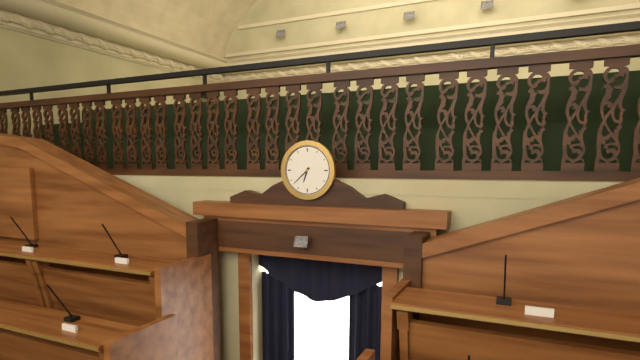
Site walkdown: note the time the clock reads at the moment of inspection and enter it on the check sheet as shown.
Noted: 6:38
